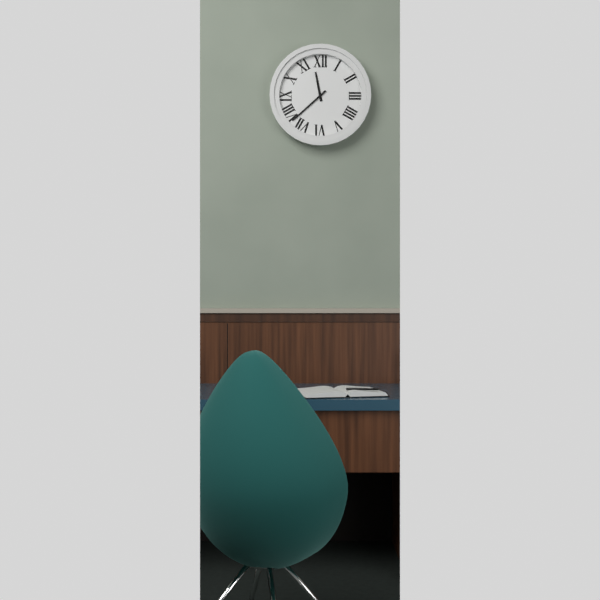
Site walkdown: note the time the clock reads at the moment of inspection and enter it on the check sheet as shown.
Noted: 11:38
